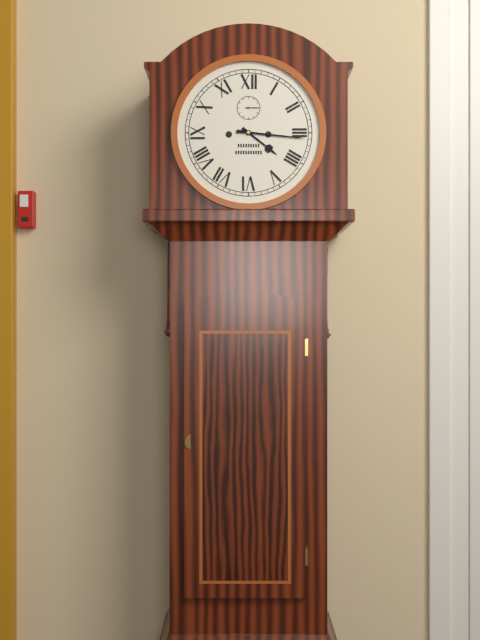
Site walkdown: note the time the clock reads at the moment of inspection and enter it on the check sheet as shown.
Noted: 4:16
